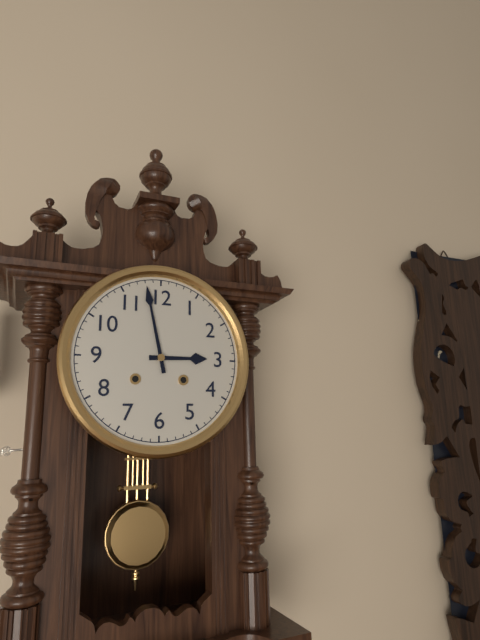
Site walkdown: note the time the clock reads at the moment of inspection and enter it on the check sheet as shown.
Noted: 2:58
